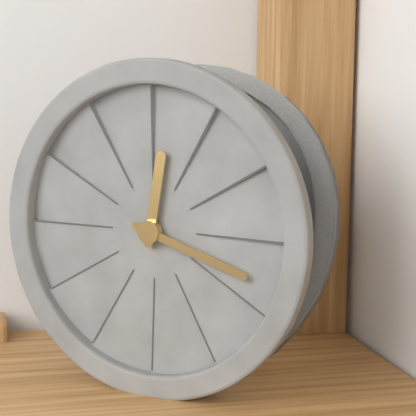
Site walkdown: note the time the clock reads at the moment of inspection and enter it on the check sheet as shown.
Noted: 12:18
